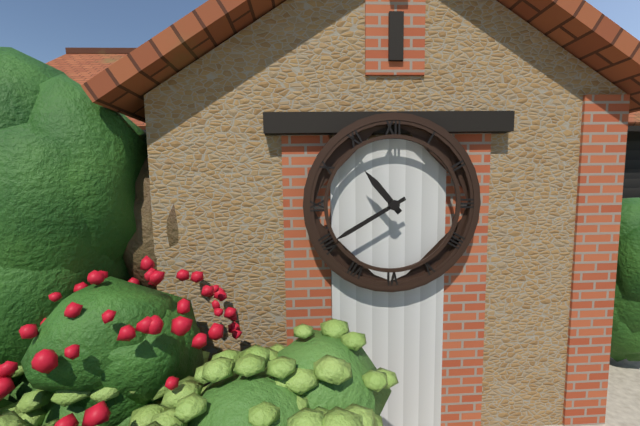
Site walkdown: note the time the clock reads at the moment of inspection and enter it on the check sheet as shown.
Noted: 10:40
